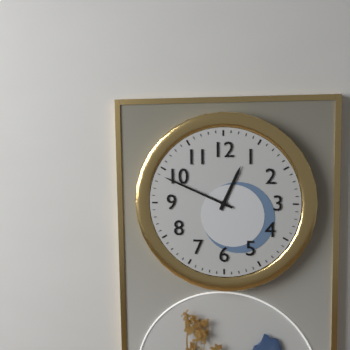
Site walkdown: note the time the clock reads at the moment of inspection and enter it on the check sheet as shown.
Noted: 12:49
